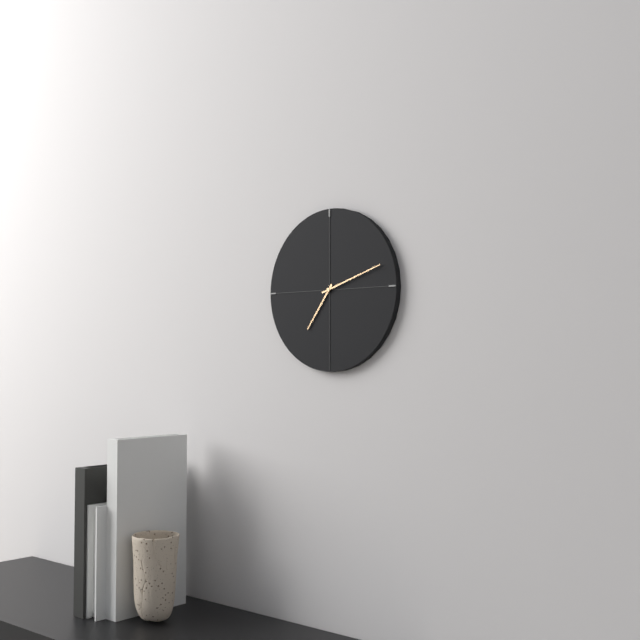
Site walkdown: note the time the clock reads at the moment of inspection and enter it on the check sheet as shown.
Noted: 7:12
